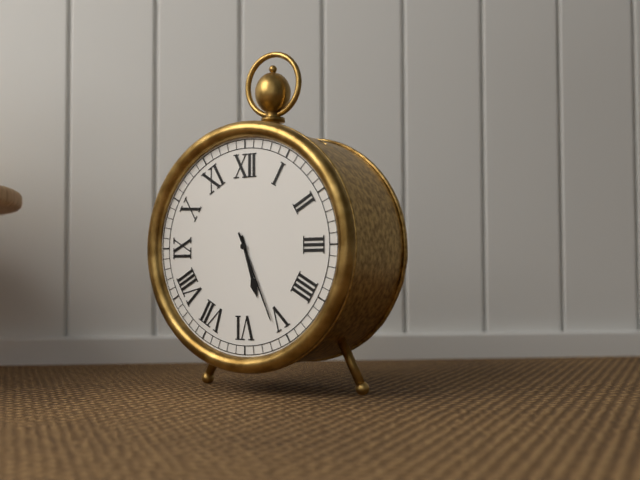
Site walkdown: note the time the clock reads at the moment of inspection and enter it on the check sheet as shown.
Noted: 5:26
